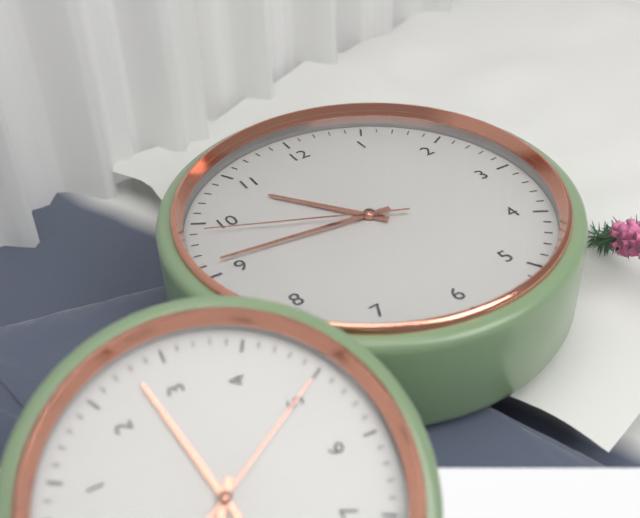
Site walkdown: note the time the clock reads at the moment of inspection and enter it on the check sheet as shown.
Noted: 10:46:49
